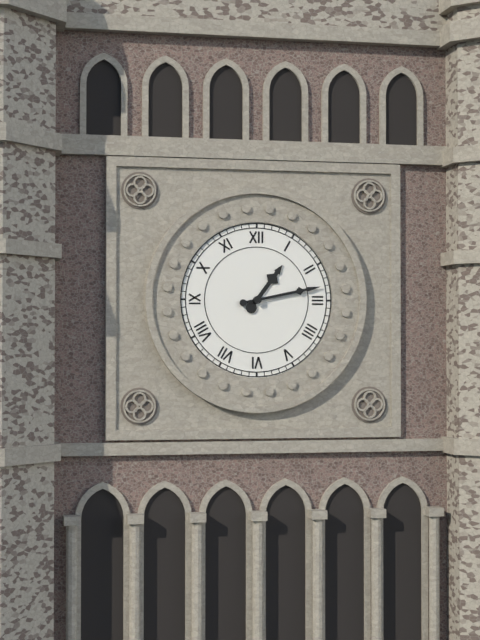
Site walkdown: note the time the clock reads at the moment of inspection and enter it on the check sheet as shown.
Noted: 1:13
